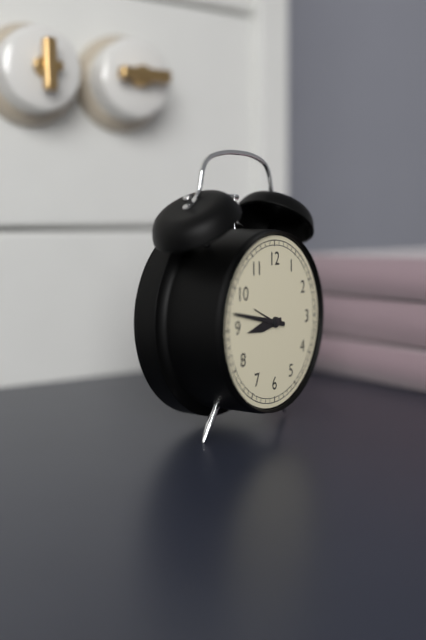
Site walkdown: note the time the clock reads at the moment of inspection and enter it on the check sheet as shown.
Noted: 8:47
